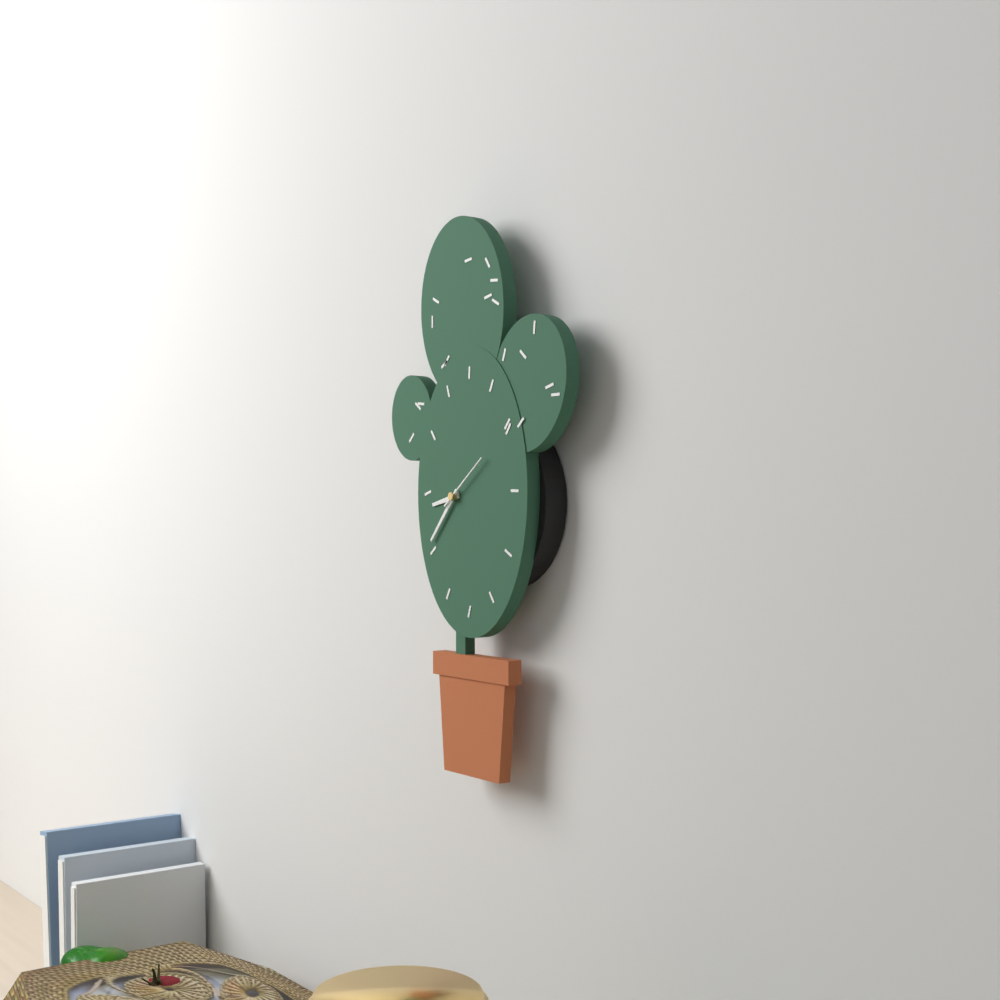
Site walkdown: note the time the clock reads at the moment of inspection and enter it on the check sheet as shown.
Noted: 8:37:09
